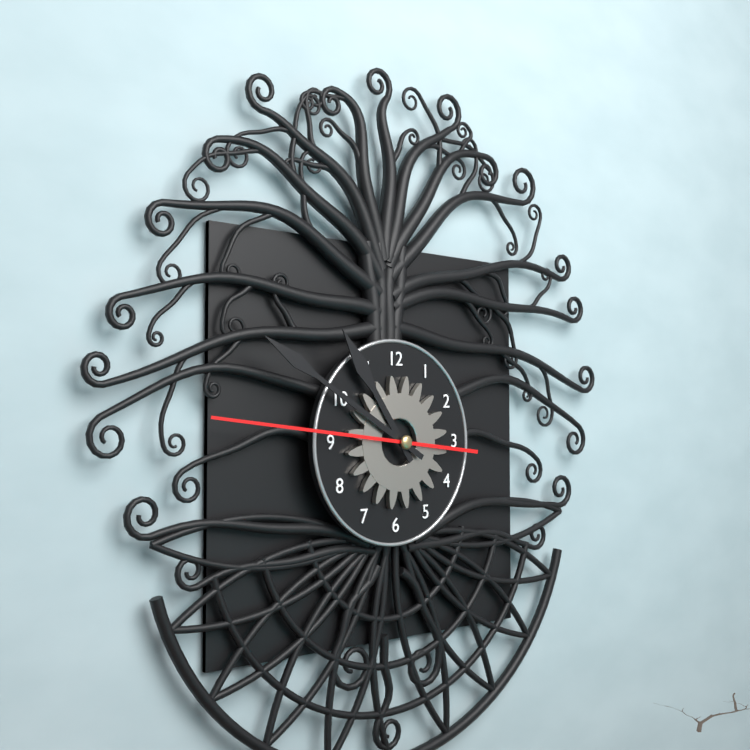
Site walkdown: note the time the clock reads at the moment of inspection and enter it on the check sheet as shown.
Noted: 10:50:46
